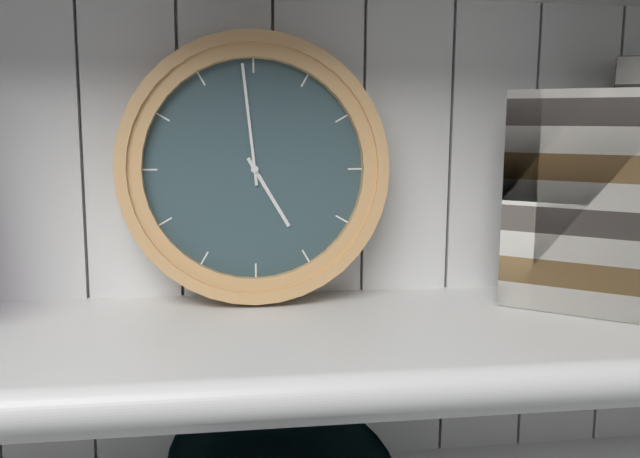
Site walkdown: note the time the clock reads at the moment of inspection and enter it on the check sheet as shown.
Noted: 4:59
